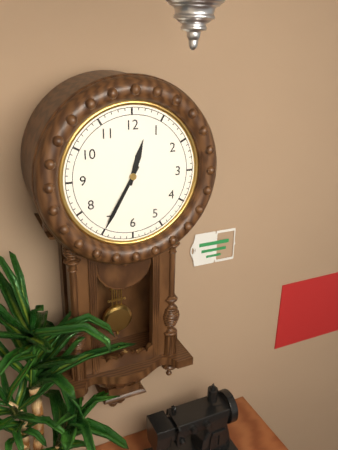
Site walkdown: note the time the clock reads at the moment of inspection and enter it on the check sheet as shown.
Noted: 12:35
